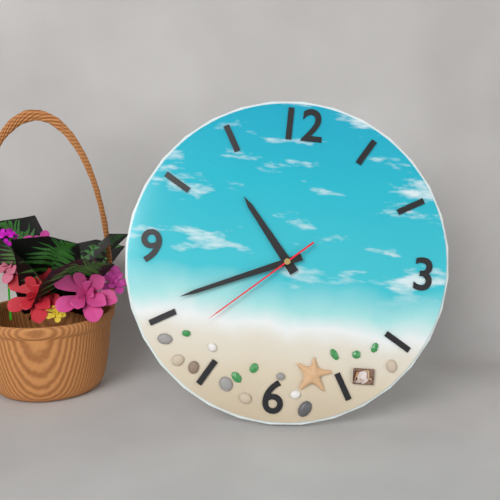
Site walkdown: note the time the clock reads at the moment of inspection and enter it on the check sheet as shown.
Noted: 10:41:38
